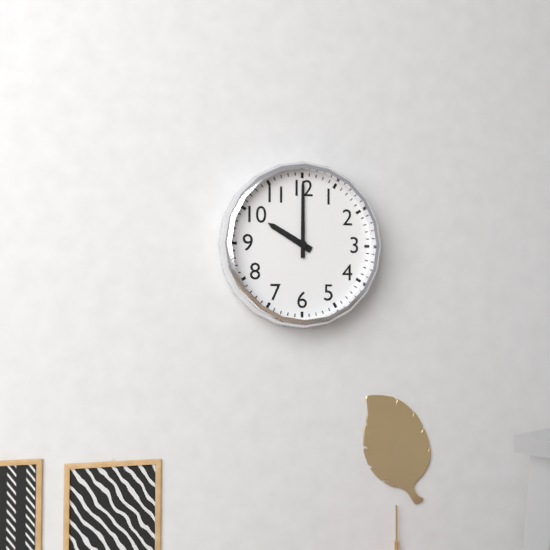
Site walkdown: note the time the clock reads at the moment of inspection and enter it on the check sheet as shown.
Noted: 10:00
